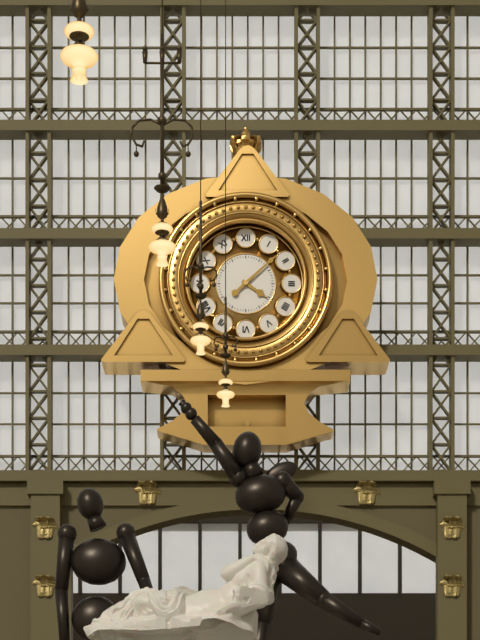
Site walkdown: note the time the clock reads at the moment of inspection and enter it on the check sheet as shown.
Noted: 4:08
